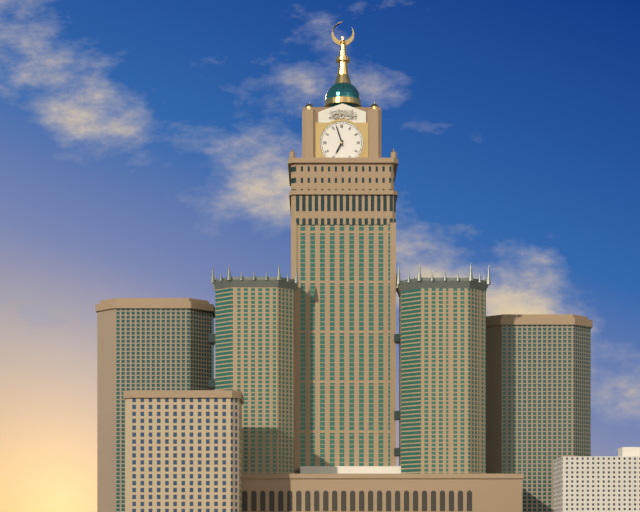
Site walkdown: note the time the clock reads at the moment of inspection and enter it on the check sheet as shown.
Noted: 6:57
